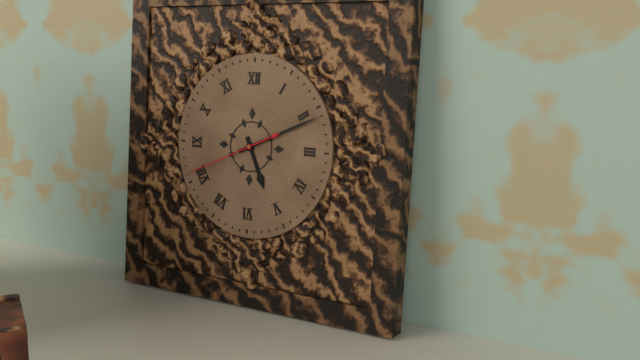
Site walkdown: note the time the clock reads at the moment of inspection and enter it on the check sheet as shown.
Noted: 5:11:41
